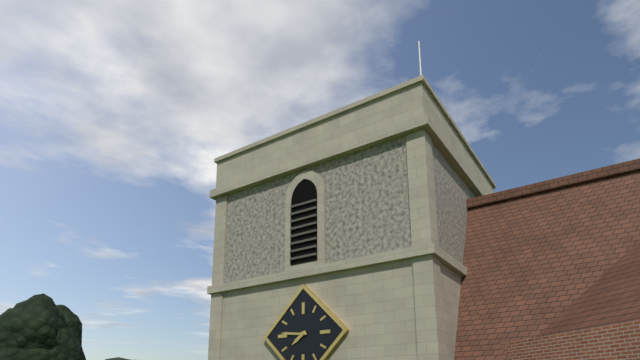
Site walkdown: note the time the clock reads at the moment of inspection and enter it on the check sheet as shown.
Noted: 7:46
